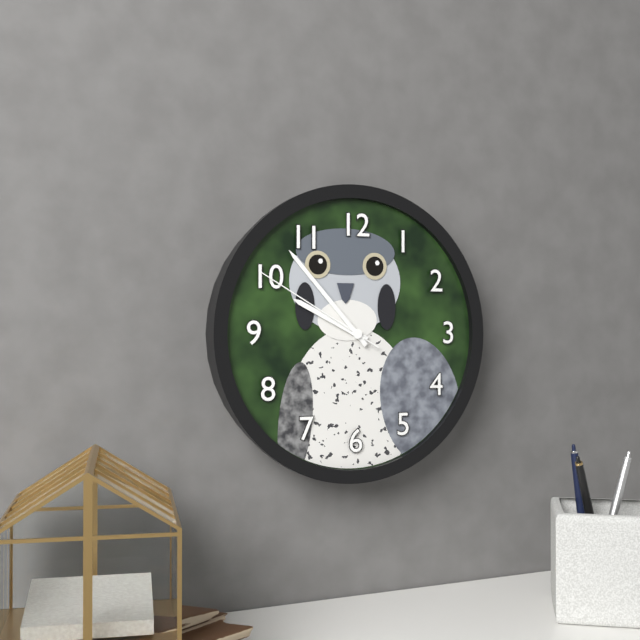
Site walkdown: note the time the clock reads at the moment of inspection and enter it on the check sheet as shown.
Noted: 9:53:50
